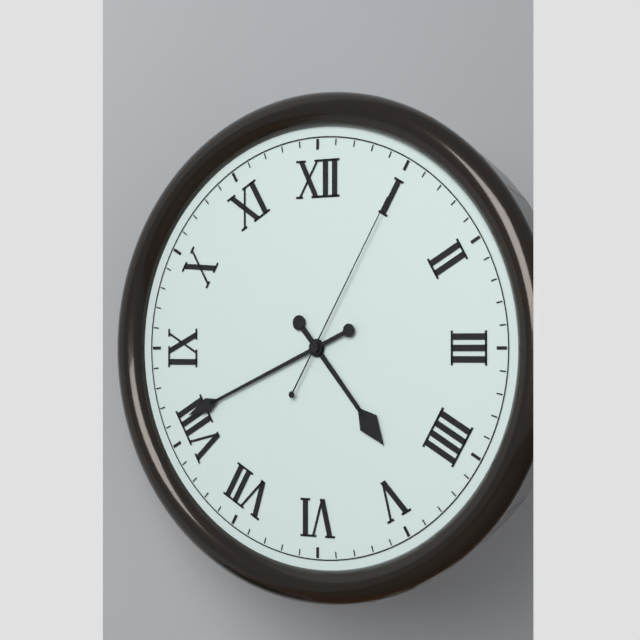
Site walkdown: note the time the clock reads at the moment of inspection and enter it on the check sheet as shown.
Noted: 4:41:05
